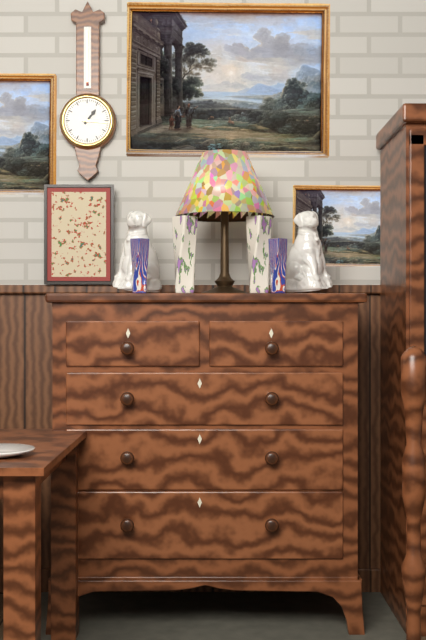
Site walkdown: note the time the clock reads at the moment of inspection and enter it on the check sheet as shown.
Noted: 1:16
